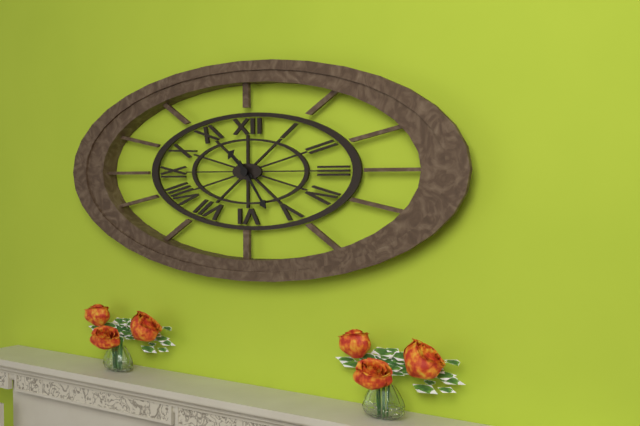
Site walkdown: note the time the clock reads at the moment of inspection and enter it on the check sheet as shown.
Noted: 10:24
